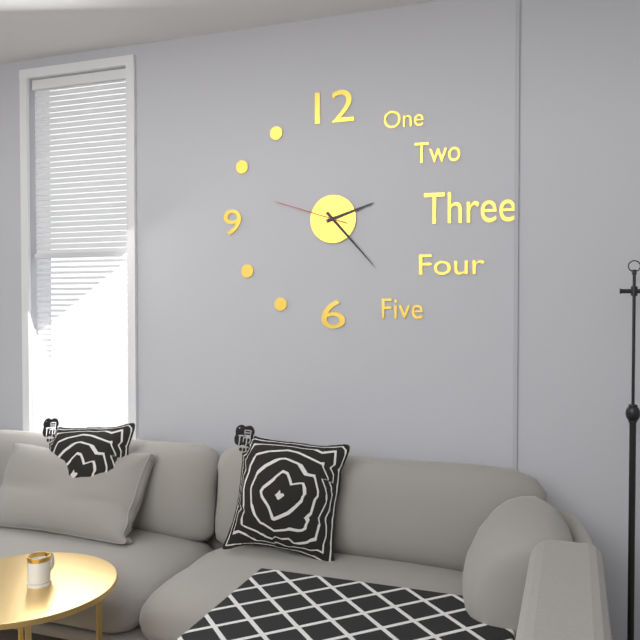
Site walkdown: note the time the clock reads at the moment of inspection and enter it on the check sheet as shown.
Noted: 2:23:48
